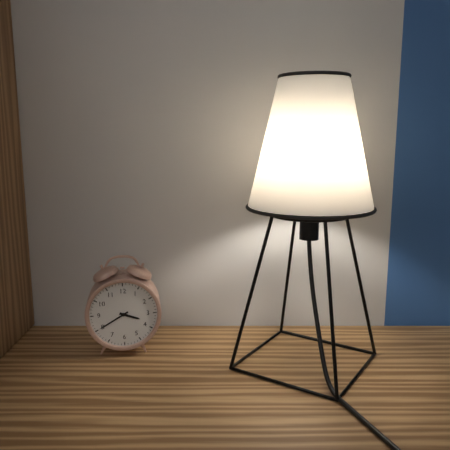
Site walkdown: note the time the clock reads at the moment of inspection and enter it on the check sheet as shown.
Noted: 3:40
